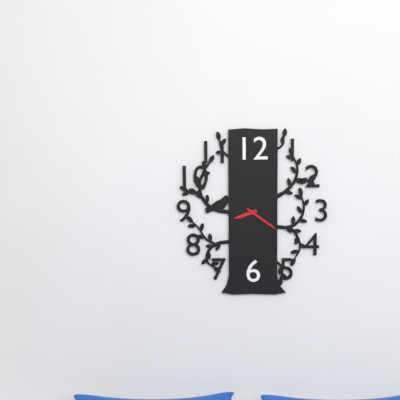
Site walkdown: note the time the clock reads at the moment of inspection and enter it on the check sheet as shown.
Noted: 8:21
